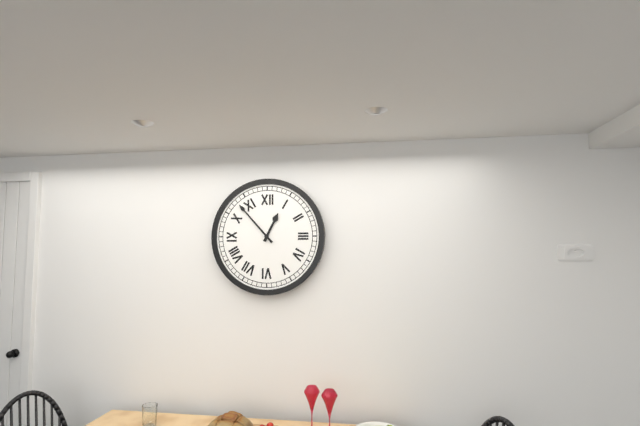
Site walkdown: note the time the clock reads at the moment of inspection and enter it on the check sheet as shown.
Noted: 12:53
